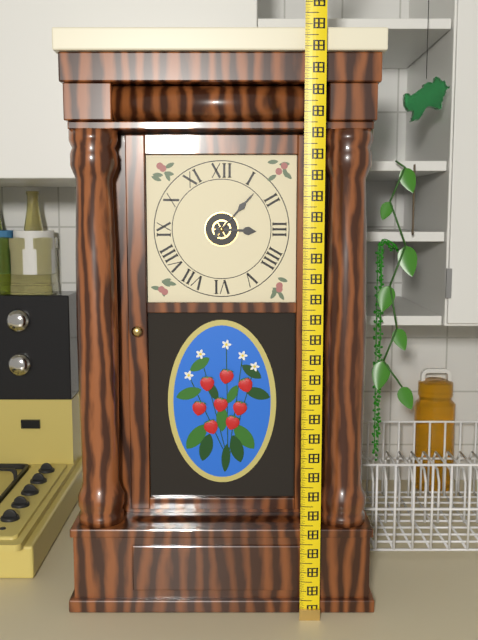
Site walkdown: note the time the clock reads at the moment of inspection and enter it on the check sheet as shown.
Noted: 3:07
